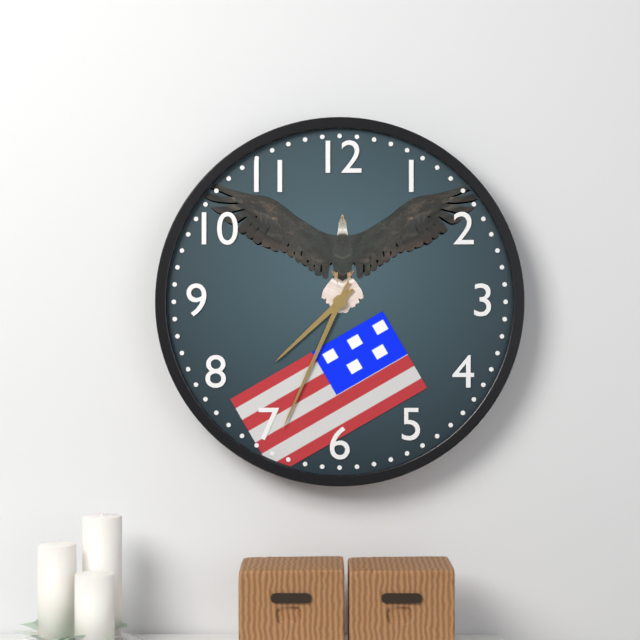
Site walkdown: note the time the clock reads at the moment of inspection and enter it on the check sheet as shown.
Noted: 7:34
